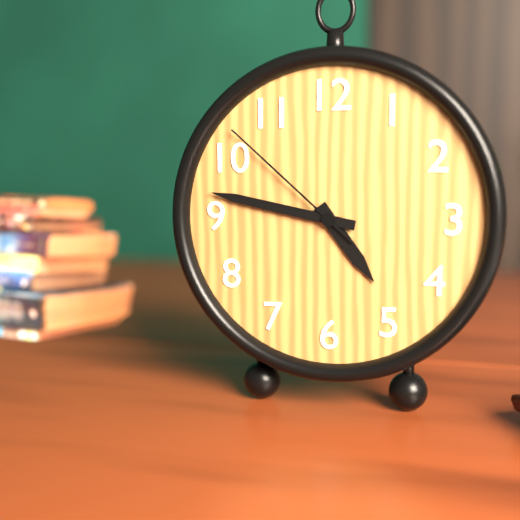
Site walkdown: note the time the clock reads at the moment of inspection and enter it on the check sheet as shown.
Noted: 4:47:52
